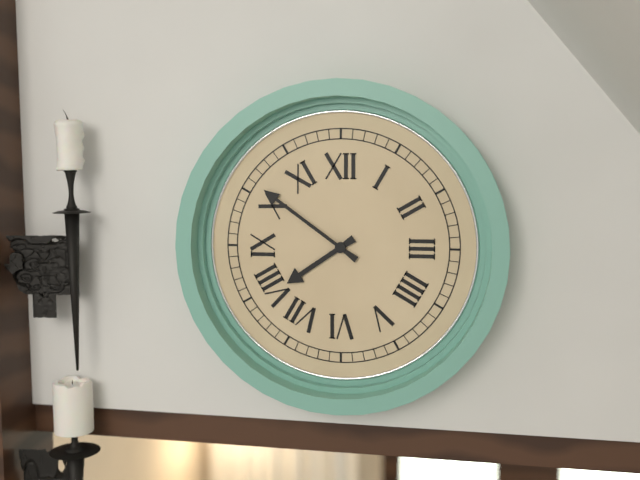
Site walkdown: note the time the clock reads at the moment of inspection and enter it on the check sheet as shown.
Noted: 7:51
